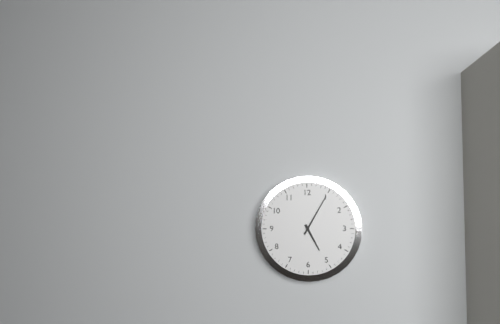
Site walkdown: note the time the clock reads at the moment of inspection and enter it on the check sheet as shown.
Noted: 5:05
